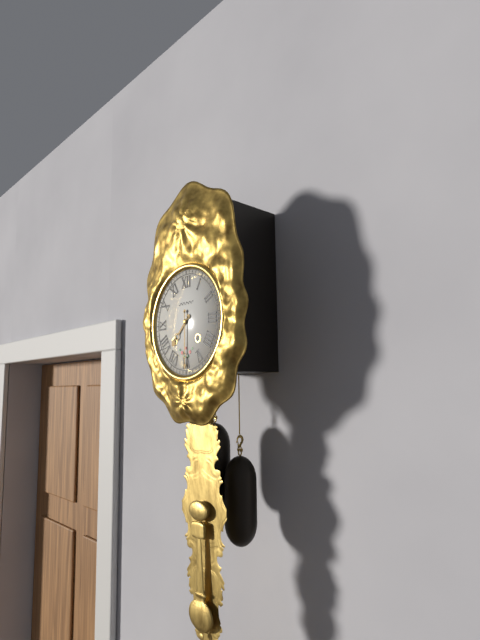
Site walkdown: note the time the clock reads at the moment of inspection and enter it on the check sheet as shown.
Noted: 7:30
